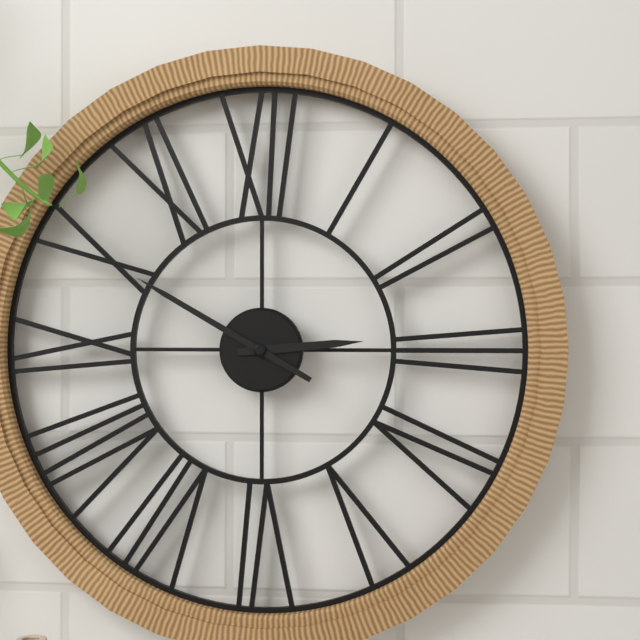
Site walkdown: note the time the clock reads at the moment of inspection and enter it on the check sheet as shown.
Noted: 2:50
